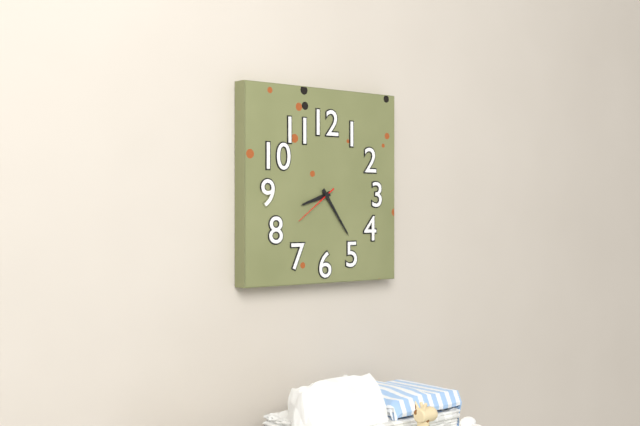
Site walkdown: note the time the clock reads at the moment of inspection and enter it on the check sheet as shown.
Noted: 8:24
